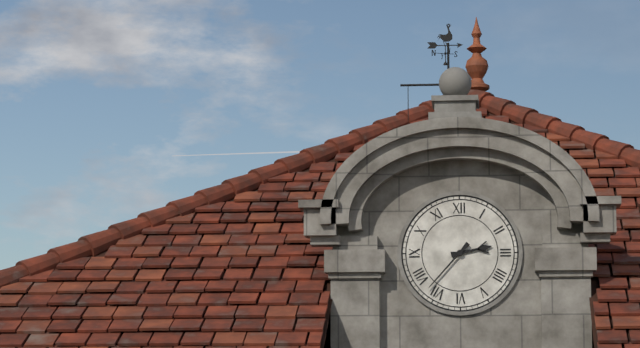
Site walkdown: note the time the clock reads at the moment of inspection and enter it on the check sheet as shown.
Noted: 2:37
